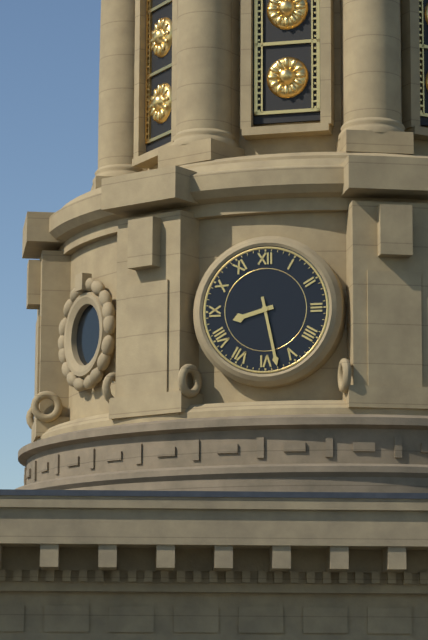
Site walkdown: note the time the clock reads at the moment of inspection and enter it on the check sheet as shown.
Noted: 8:28
